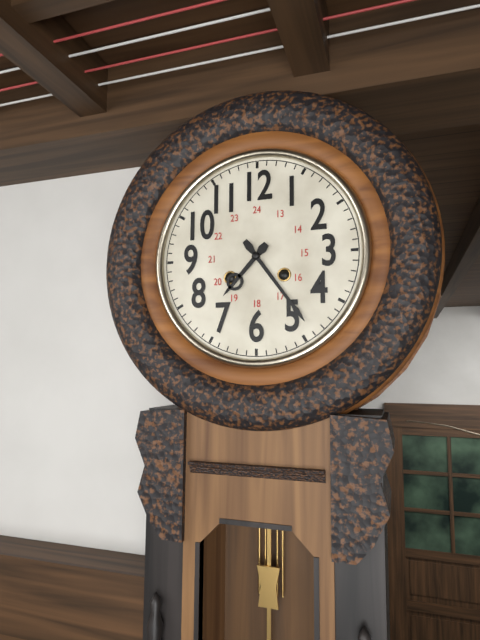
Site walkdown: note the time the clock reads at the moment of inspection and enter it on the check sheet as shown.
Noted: 7:24
